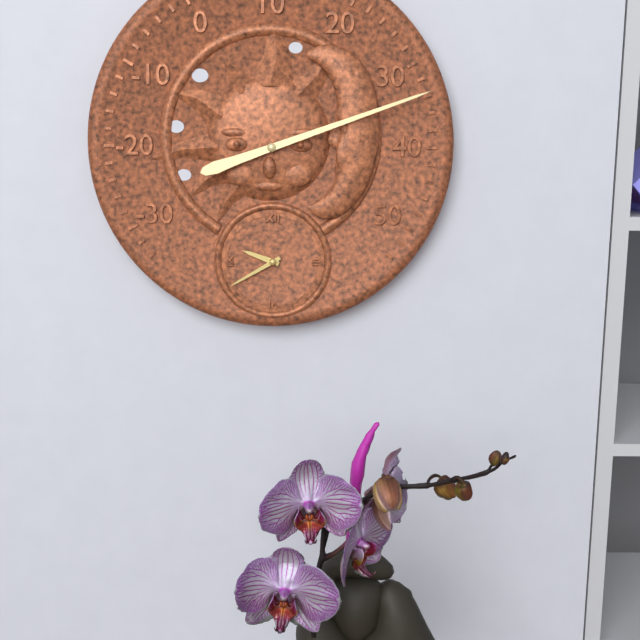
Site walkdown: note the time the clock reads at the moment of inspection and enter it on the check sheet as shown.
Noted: 9:40
